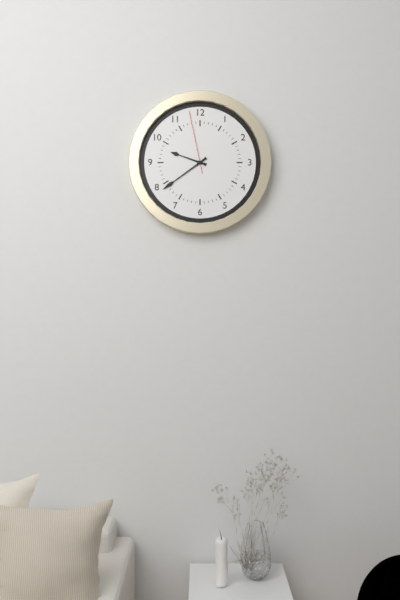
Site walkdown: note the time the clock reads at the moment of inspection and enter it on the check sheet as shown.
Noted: 9:39:58
